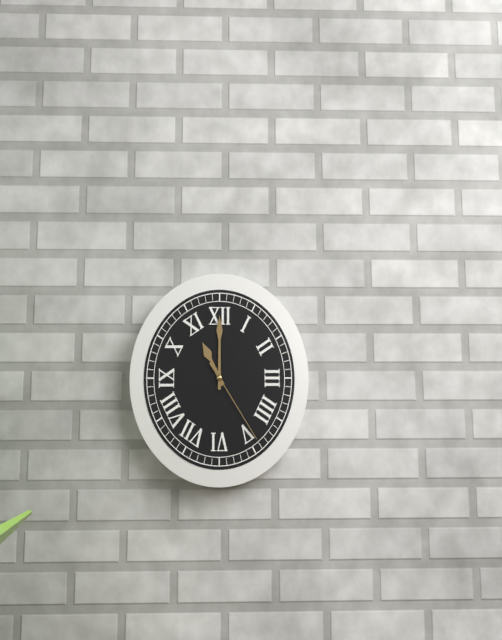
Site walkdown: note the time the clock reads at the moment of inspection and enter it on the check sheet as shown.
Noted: 11:00:24
